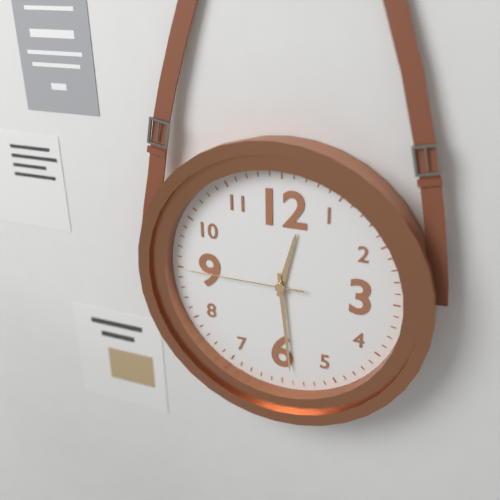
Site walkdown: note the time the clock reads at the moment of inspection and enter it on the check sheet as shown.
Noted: 12:29:45
